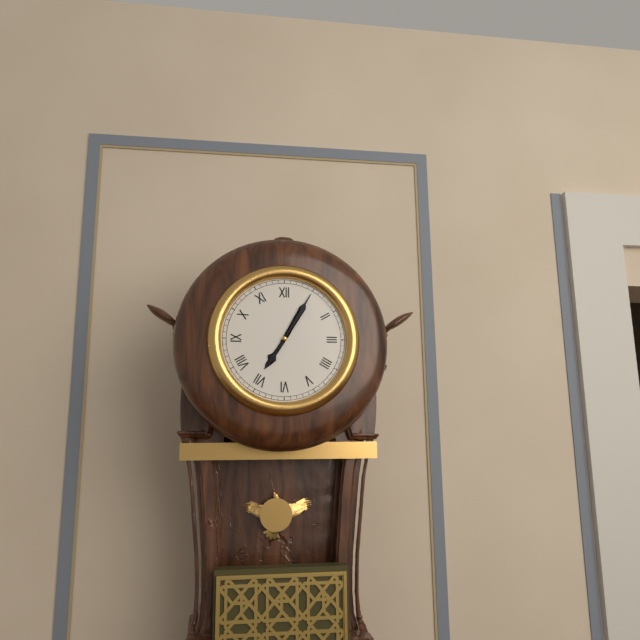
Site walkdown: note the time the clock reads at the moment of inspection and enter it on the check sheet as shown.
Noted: 7:05
